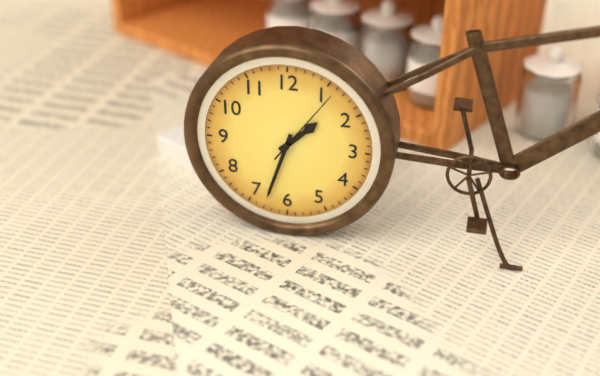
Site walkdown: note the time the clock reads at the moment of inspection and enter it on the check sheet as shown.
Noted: 1:33:06
